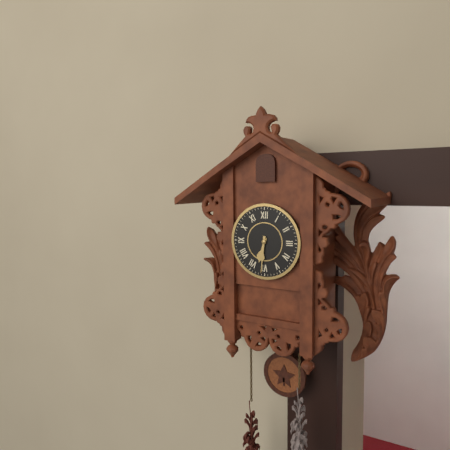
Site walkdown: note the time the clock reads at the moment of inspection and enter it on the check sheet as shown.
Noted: 6:31
